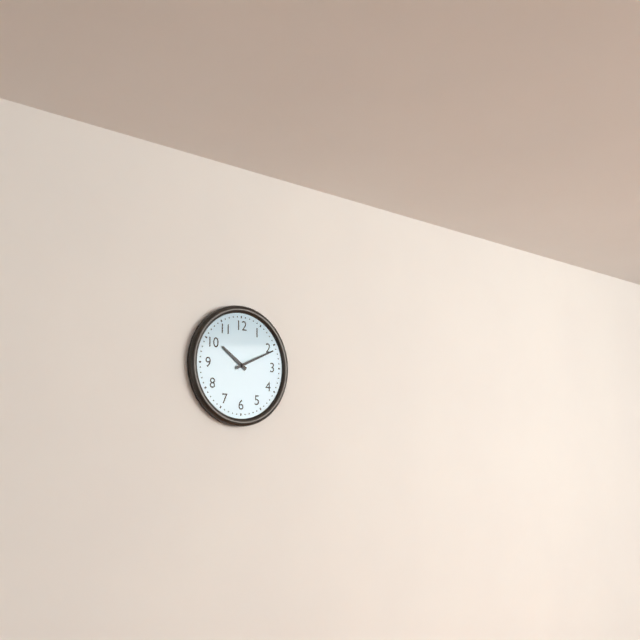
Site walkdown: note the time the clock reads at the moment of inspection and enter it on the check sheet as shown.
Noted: 10:11
